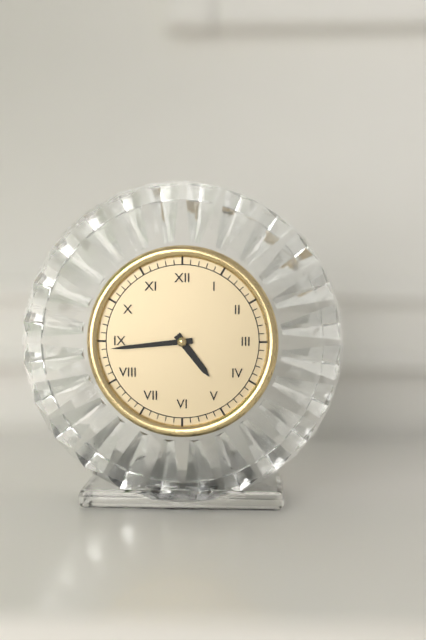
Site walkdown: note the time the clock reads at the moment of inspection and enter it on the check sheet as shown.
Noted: 4:44
